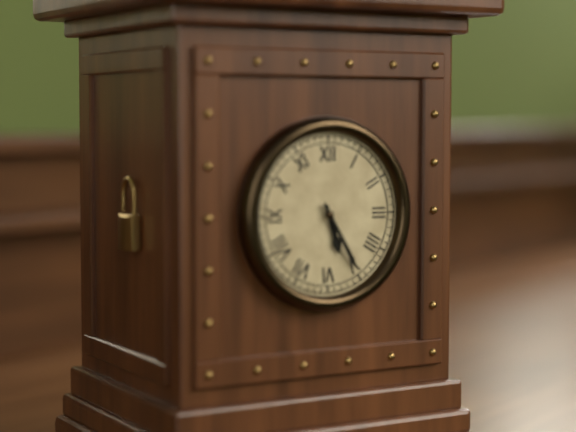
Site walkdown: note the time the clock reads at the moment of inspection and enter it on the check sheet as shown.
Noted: 5:25
